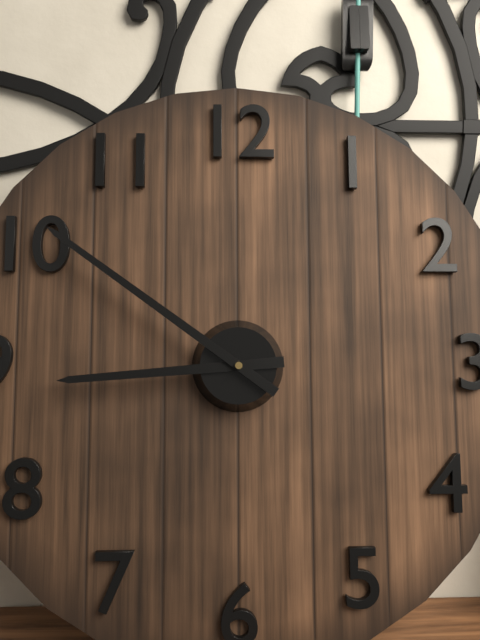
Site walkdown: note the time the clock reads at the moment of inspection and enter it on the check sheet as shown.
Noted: 8:51
